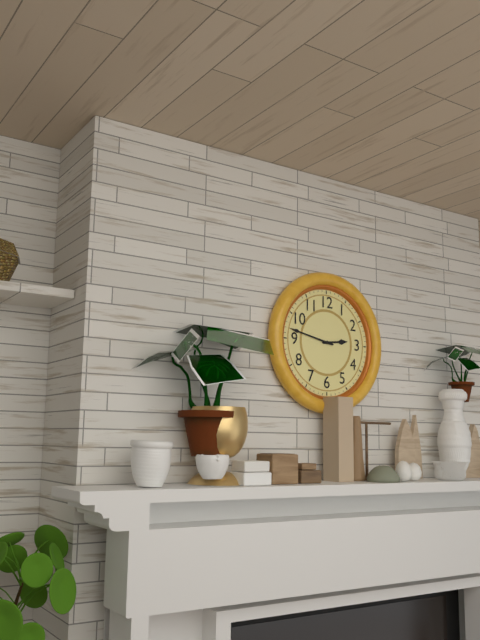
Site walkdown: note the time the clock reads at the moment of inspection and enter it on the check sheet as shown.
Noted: 2:47
